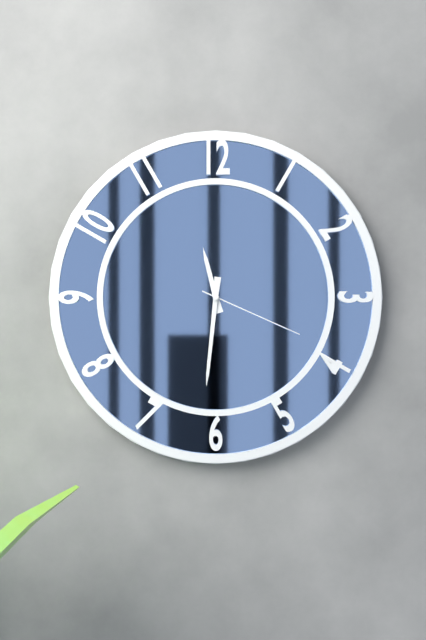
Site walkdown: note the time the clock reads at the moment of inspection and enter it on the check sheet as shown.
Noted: 11:31:19
